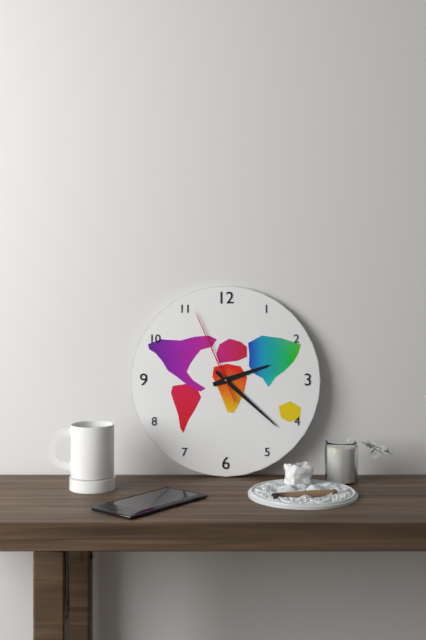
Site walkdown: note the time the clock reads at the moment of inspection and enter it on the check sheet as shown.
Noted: 2:22:56
